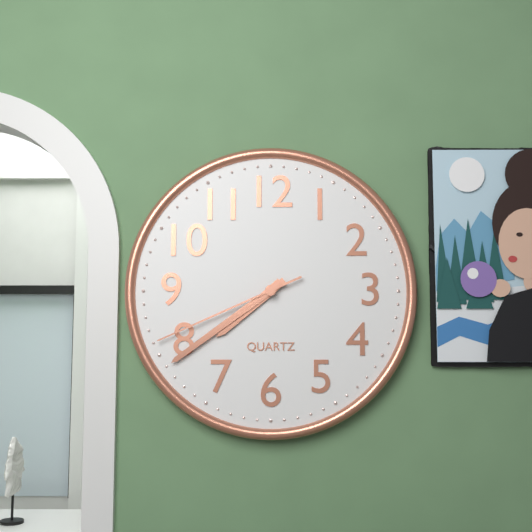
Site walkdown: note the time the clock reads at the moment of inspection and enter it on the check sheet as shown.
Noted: 7:39:41
